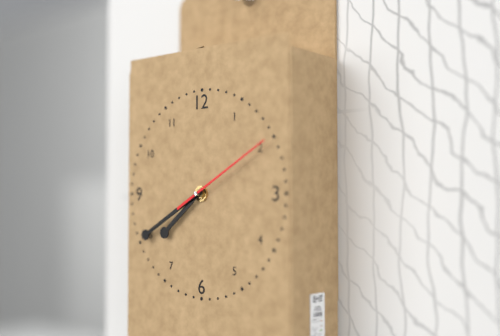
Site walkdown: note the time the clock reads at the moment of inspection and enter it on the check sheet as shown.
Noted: 7:40:10
